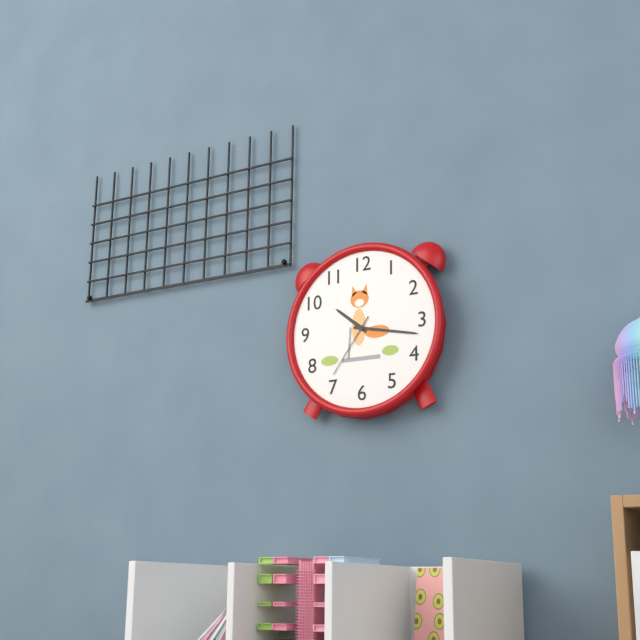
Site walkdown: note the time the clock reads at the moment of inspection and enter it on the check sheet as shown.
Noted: 10:17:36
